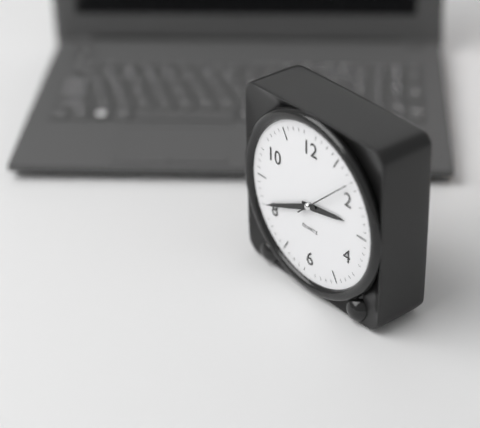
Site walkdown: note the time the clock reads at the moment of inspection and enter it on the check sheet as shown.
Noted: 2:41:08
